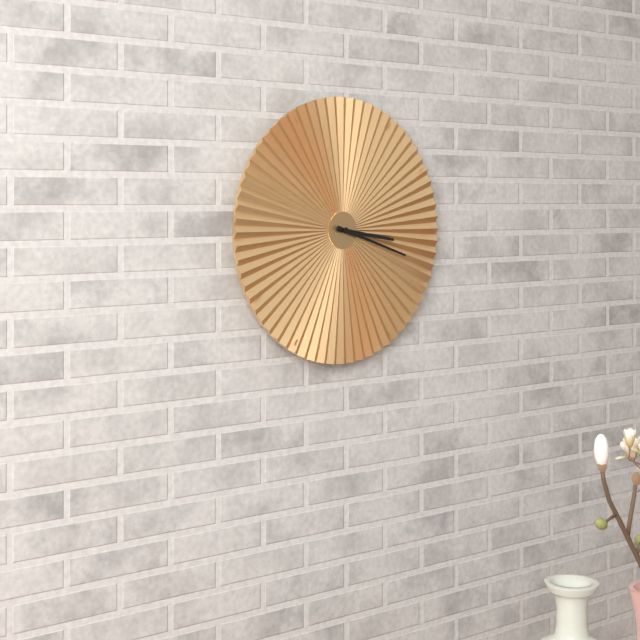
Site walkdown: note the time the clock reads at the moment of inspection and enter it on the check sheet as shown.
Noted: 3:18
